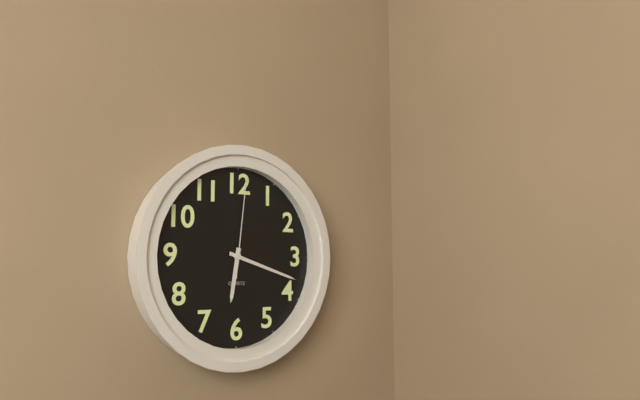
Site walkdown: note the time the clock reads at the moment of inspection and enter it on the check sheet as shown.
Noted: 6:18:01
